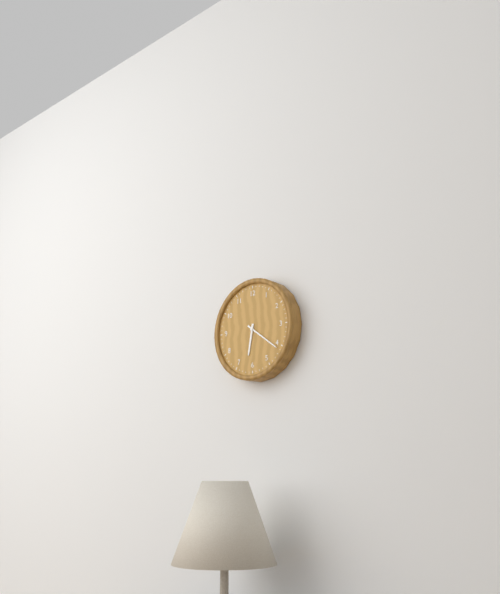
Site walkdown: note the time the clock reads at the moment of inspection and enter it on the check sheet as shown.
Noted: 6:21
